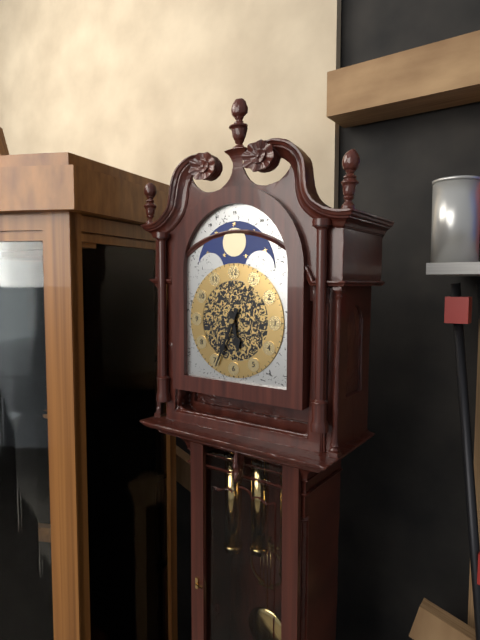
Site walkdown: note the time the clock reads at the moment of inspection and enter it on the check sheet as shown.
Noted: 5:34
